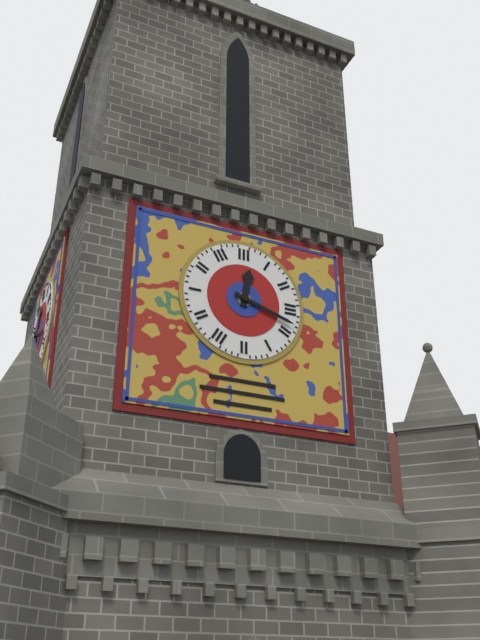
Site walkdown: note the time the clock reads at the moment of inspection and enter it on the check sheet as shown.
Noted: 12:18
